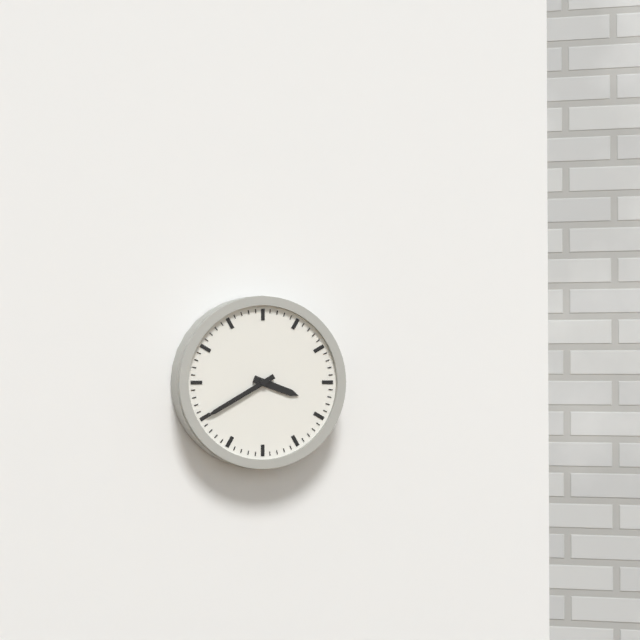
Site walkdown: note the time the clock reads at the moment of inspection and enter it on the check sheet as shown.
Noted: 3:40
